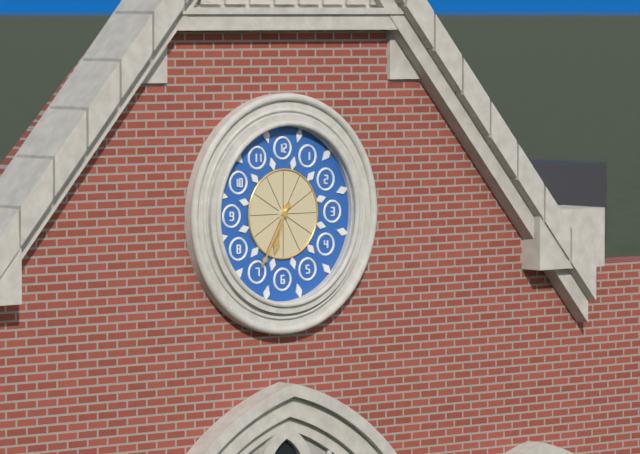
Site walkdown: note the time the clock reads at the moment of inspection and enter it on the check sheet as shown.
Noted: 6:35
